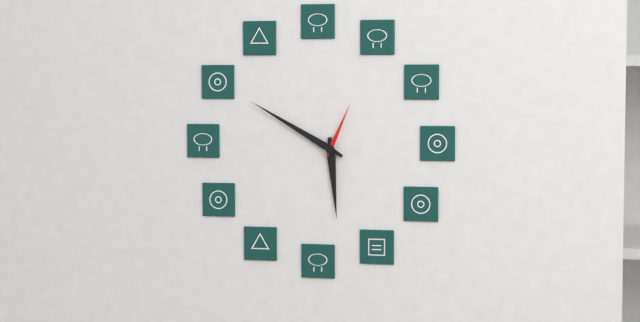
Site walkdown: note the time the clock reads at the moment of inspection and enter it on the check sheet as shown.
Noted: 5:50:04
